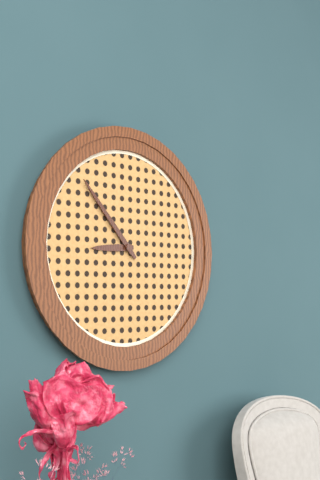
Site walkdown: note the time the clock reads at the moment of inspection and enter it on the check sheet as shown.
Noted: 8:53
